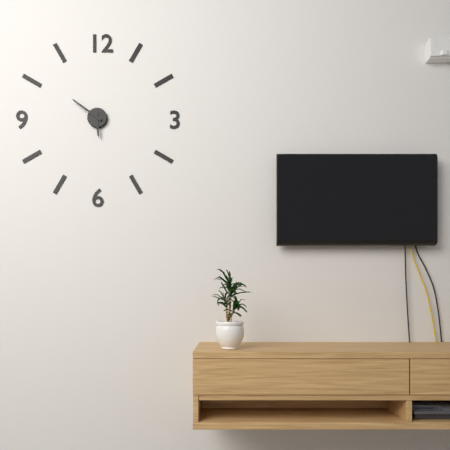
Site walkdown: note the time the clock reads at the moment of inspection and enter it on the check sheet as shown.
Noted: 5:51
